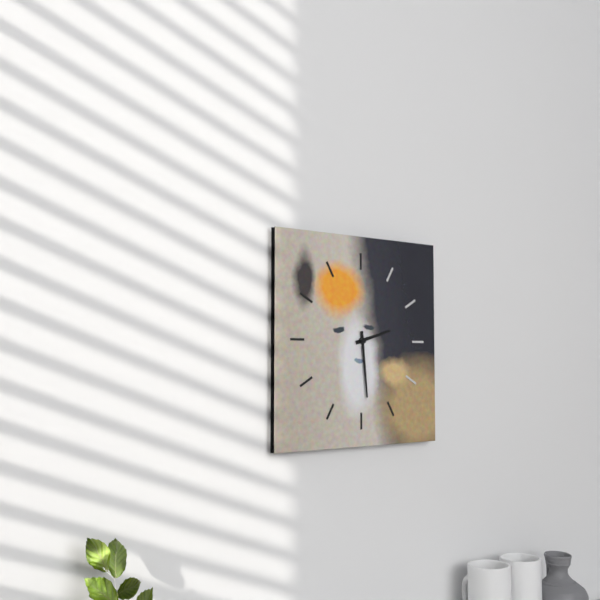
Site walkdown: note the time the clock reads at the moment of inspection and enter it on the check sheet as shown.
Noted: 2:29
